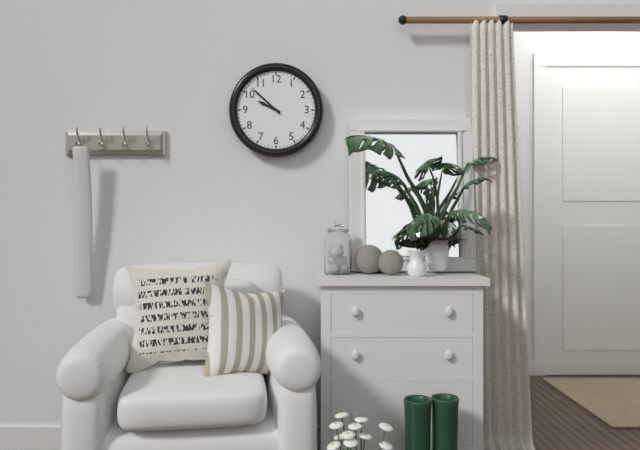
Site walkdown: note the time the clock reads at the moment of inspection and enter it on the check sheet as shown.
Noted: 9:52
